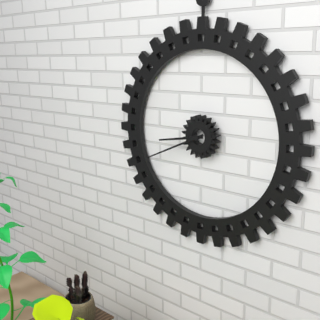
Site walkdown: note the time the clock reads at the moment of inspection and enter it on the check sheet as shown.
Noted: 8:41
